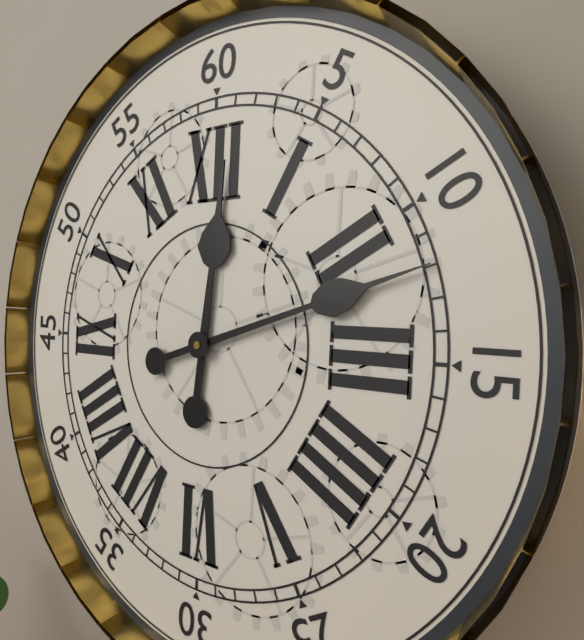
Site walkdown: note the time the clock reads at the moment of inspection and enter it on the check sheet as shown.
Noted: 12:12
